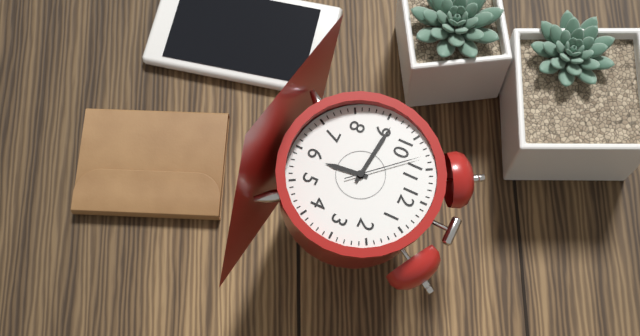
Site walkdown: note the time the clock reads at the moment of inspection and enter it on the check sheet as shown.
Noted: 5:46:53
